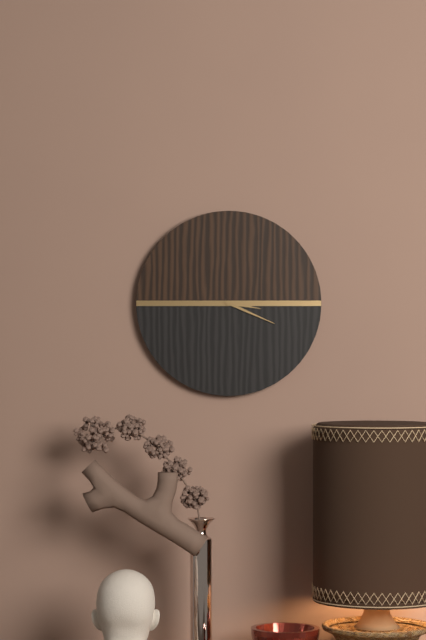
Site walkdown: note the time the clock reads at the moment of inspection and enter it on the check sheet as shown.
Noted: 3:19
